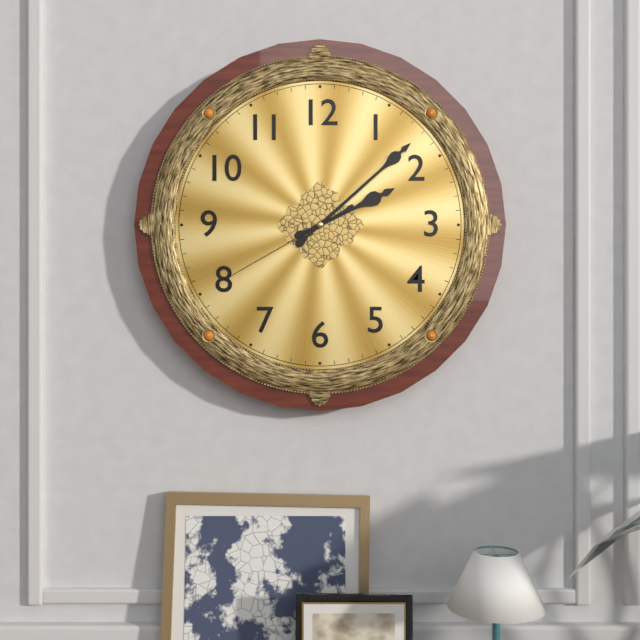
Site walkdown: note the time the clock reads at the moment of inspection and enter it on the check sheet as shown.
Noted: 2:08:40
